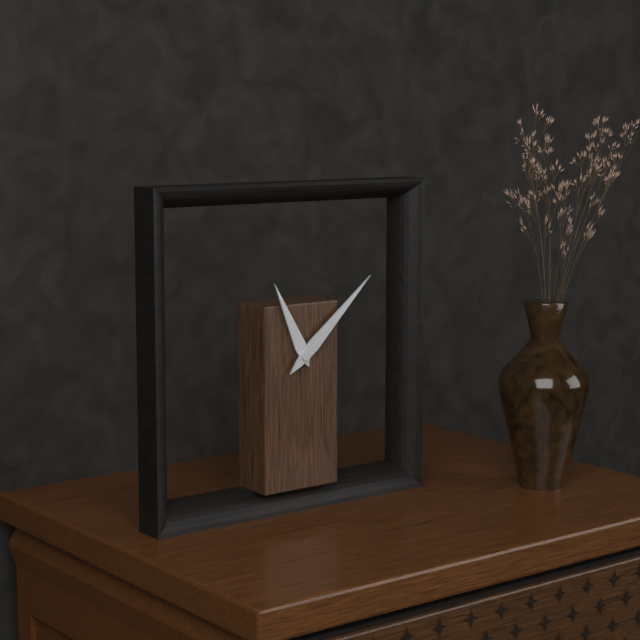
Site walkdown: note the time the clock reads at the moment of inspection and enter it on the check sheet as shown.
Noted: 11:08
